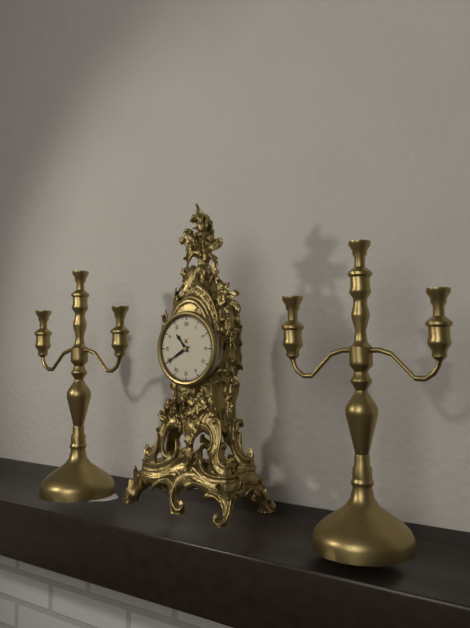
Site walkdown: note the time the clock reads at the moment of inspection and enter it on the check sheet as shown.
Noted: 10:40
